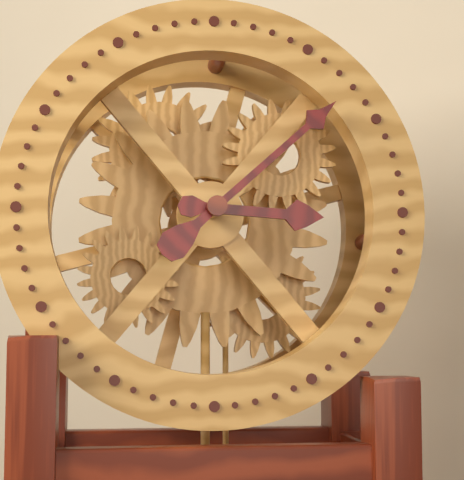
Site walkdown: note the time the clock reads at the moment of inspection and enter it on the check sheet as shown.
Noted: 3:08
